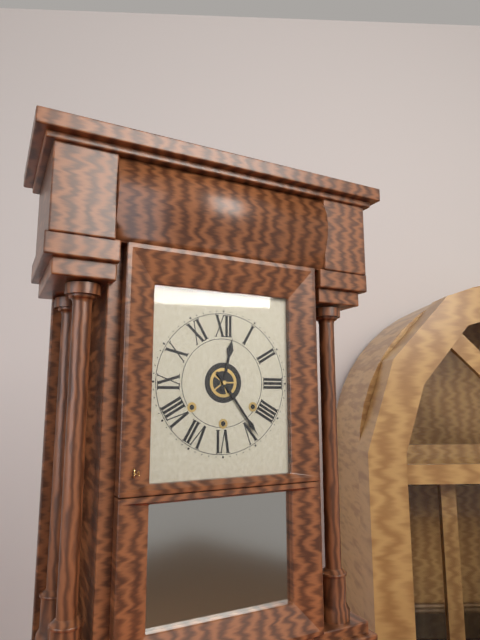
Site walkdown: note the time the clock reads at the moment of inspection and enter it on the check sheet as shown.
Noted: 12:24
